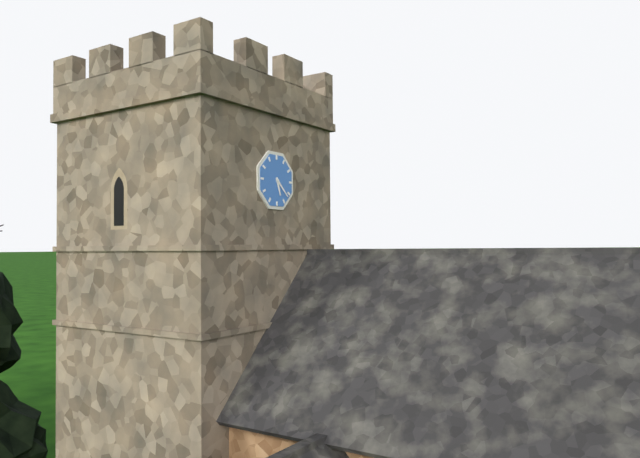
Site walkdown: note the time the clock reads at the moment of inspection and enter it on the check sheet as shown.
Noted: 5:22
